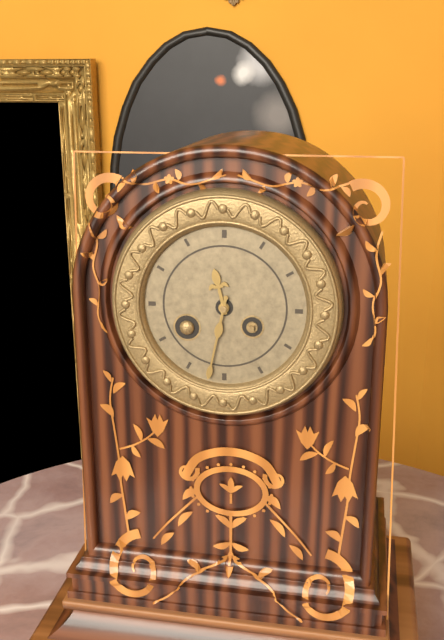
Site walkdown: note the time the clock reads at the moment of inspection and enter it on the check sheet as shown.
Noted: 11:32
